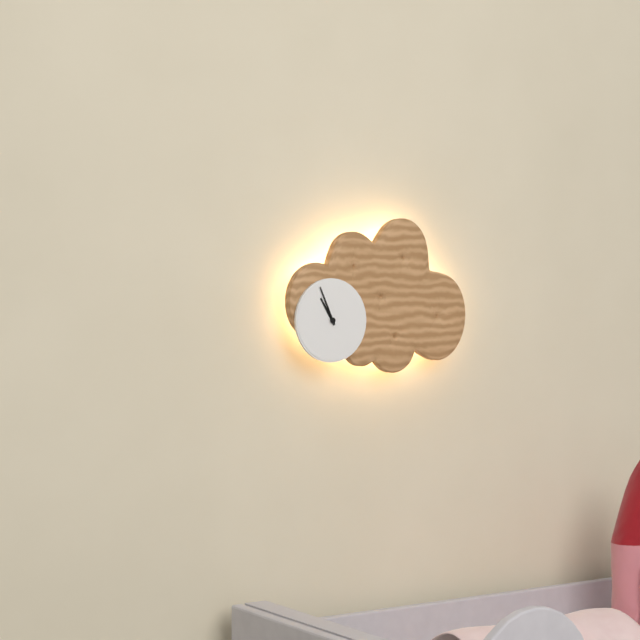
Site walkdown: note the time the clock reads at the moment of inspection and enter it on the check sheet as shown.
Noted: 10:56
